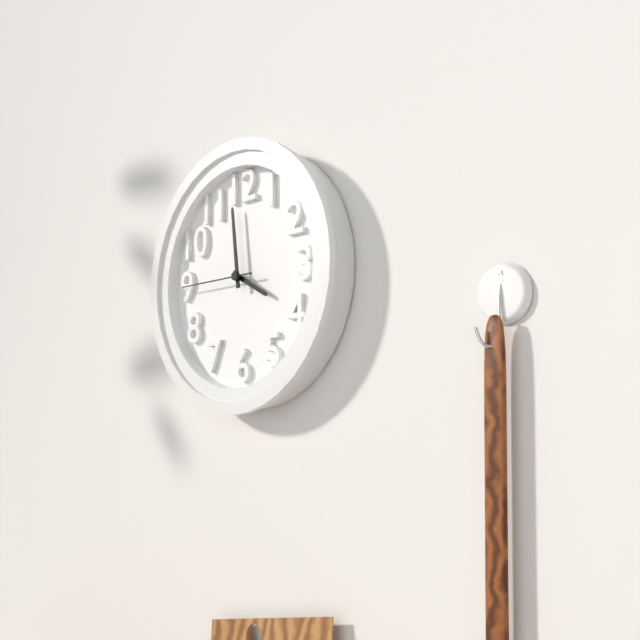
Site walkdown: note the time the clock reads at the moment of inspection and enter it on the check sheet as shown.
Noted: 3:59:45
